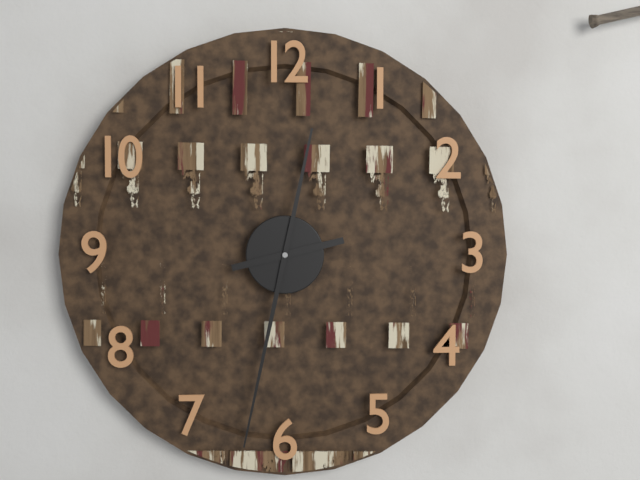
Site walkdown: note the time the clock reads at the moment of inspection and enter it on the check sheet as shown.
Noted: 2:32
